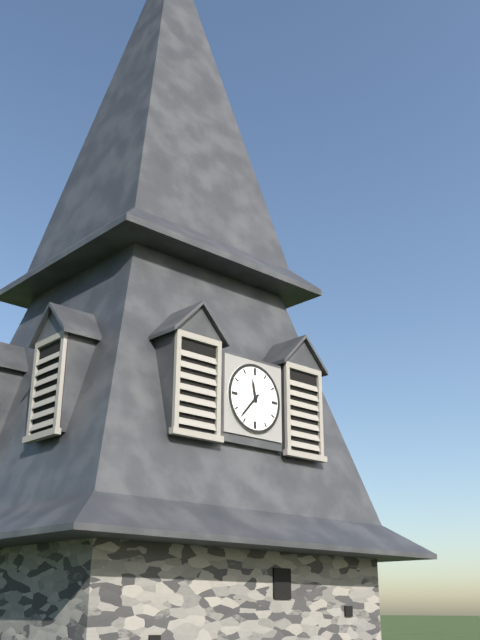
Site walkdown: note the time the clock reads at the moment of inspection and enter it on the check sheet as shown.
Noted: 11:37
